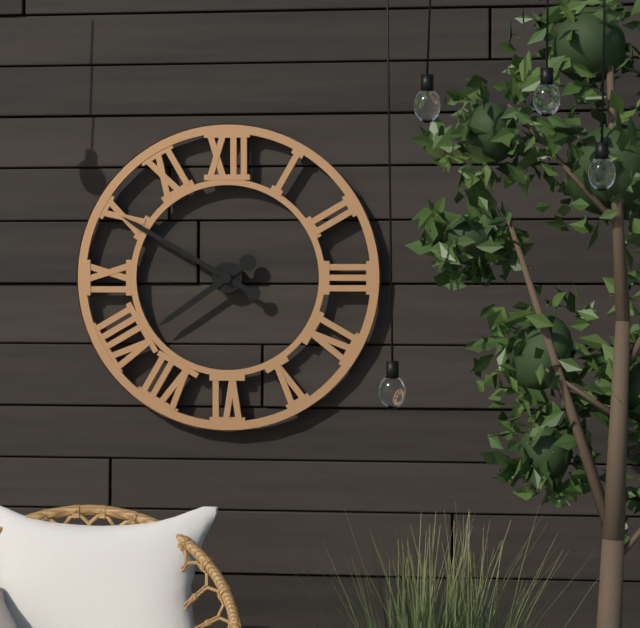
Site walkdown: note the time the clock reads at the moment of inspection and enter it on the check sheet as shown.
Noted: 7:50
